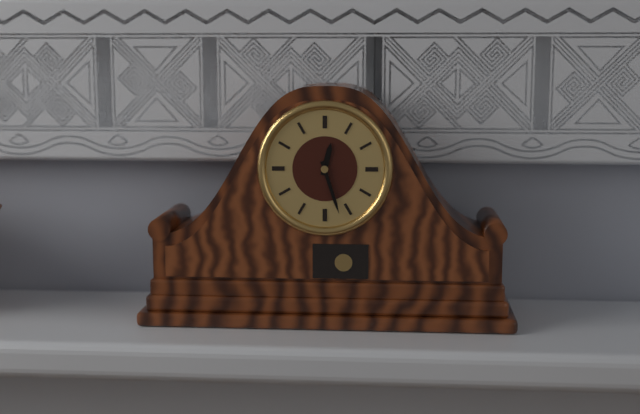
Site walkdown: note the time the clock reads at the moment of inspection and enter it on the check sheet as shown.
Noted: 12:27
